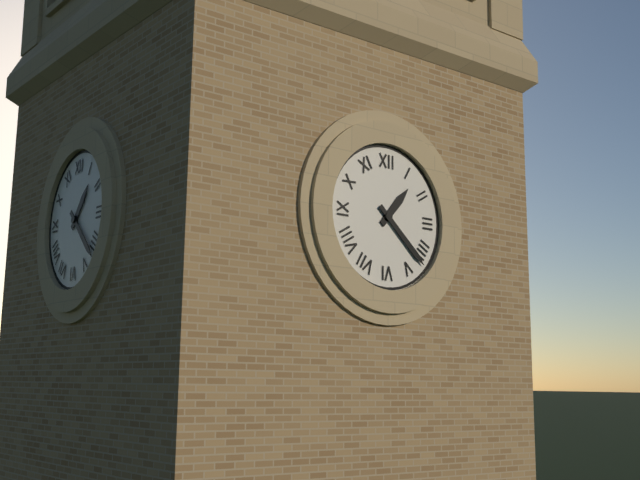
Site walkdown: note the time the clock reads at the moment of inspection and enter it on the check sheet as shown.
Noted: 1:22
